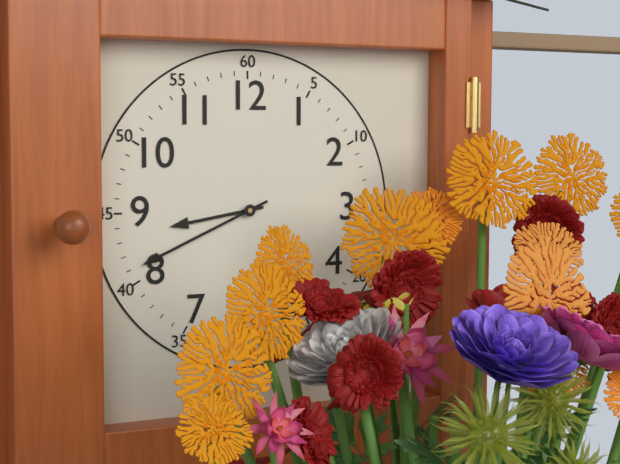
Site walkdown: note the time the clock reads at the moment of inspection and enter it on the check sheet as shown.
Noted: 8:41
